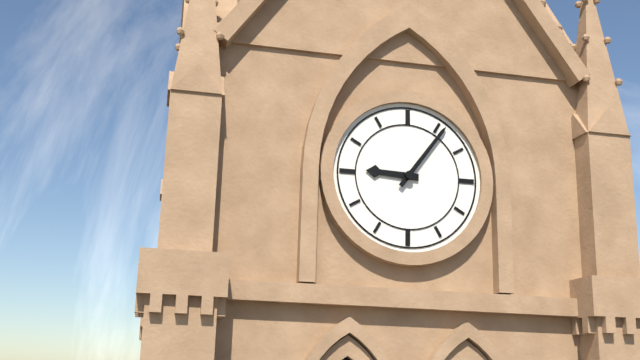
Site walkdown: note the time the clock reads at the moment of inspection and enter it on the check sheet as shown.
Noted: 9:06
